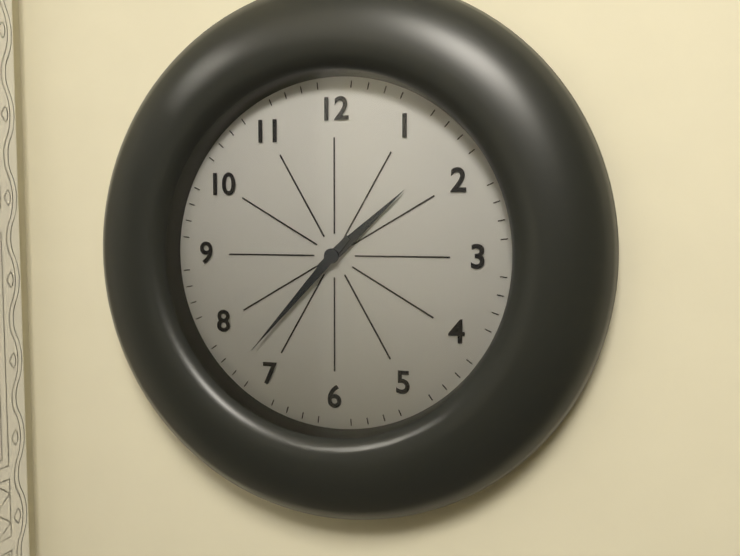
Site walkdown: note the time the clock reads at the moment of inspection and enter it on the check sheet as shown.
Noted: 1:37
